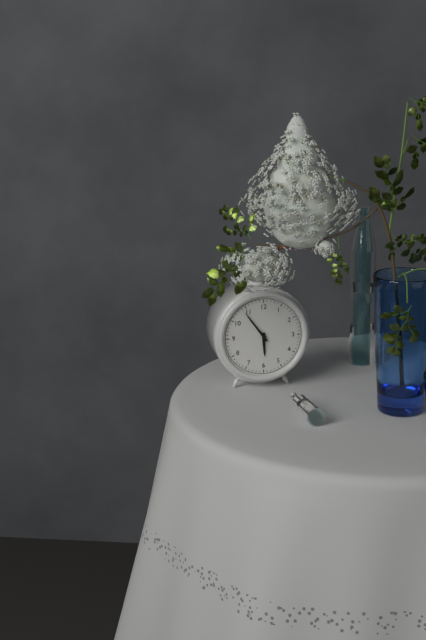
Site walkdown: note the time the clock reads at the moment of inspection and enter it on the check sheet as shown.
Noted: 5:54
